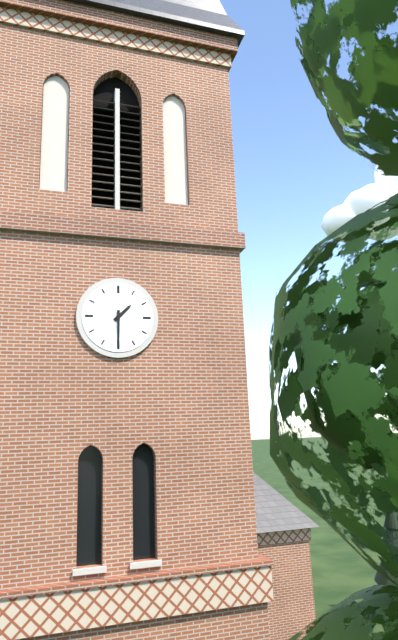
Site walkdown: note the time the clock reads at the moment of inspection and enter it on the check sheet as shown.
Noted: 1:30
